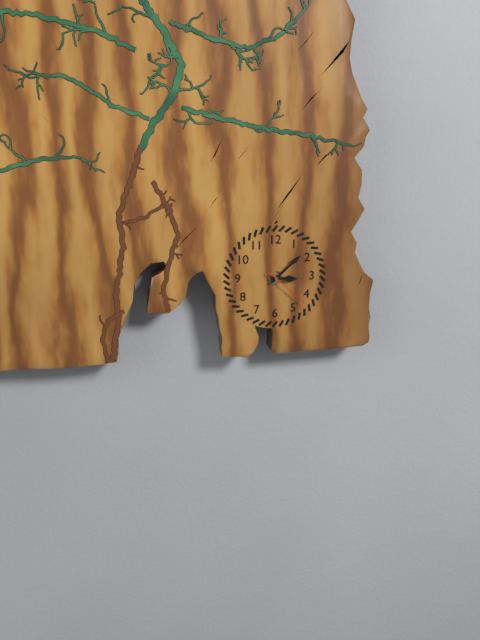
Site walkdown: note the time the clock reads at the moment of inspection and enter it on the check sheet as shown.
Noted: 3:08
